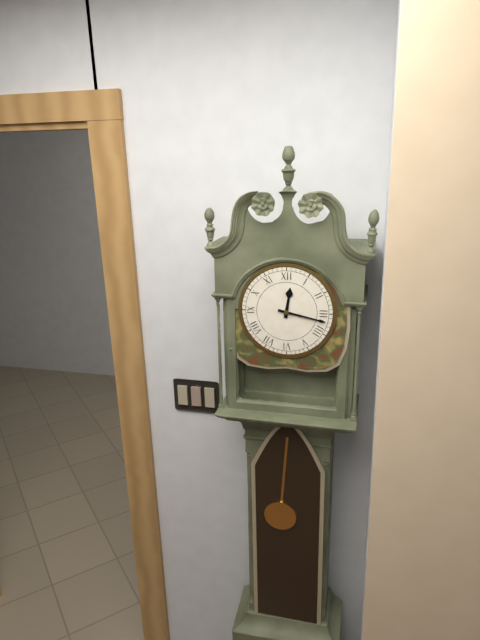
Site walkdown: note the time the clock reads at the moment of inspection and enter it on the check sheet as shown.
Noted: 12:17
